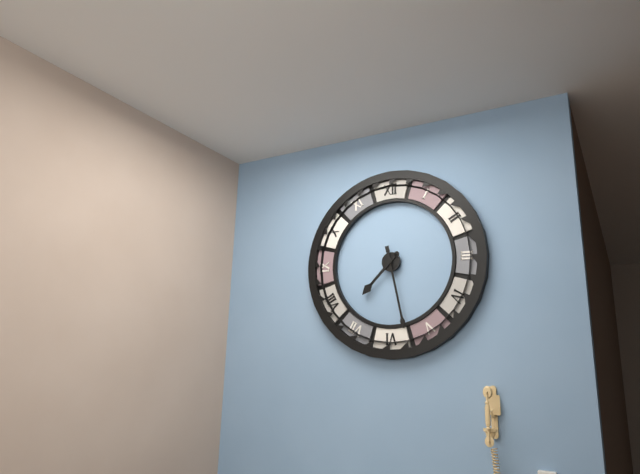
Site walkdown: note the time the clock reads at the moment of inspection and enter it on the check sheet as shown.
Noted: 7:28
